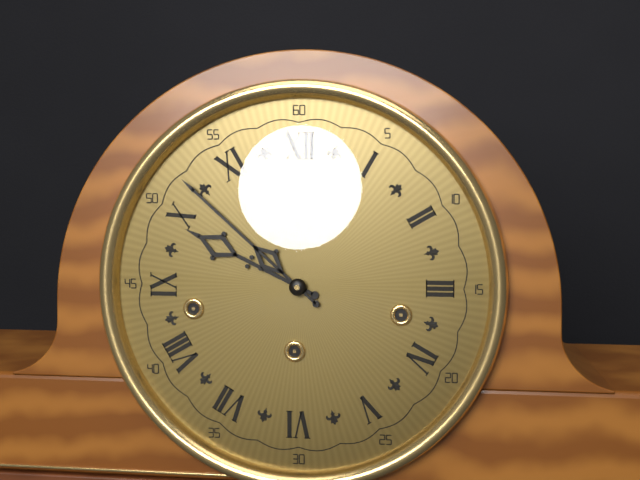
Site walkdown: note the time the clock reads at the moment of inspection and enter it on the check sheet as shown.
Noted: 9:52
